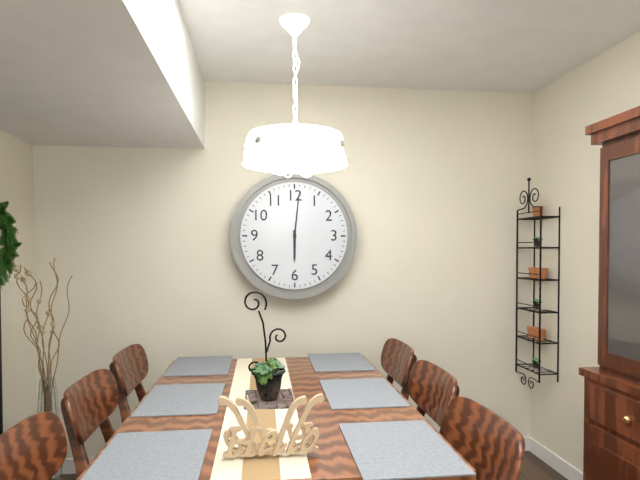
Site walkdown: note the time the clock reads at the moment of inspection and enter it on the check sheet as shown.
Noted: 6:01
